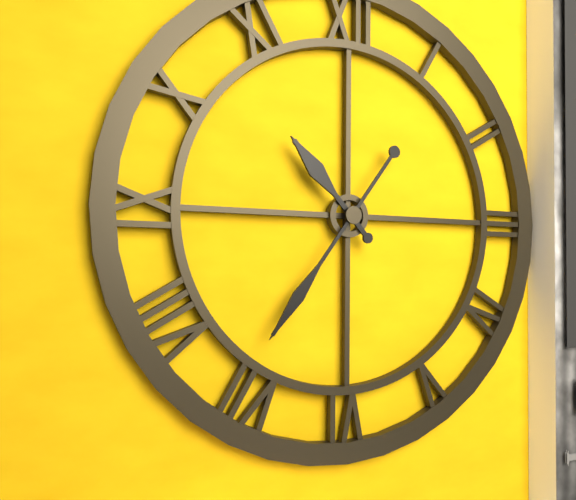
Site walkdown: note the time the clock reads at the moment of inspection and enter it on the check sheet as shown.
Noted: 10:36
